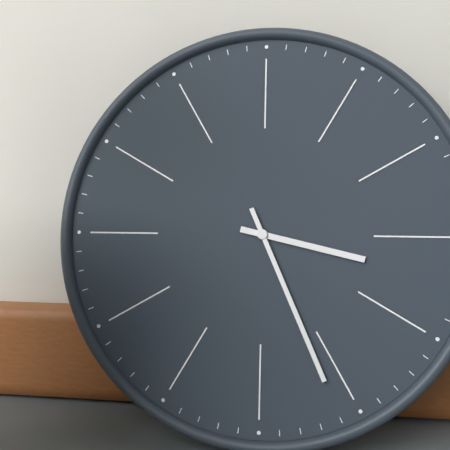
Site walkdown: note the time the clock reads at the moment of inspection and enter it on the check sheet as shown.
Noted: 3:26
